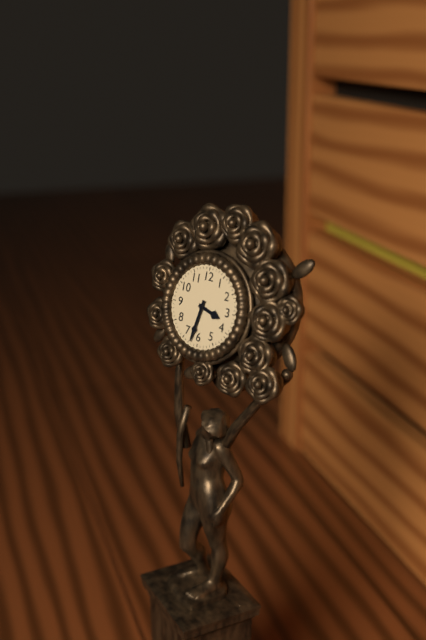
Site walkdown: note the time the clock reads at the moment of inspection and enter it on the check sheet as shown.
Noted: 3:32
